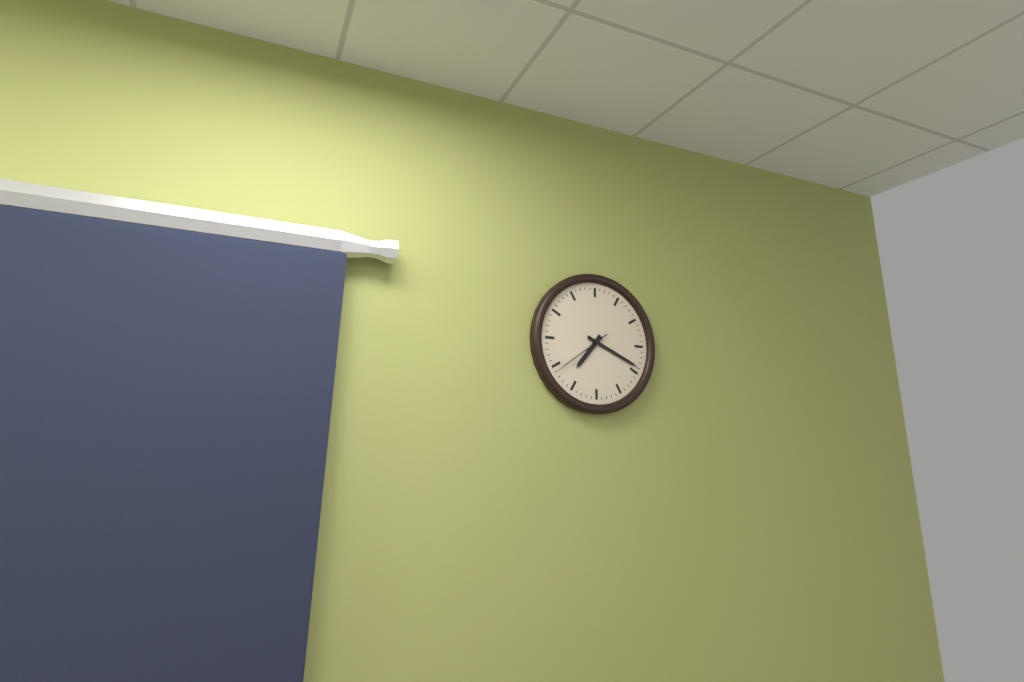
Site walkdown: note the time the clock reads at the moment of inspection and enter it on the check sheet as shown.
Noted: 7:19:39
